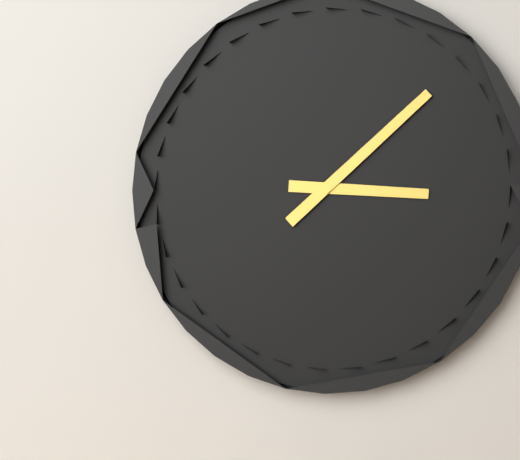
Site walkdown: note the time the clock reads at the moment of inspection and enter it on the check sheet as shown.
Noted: 3:08
